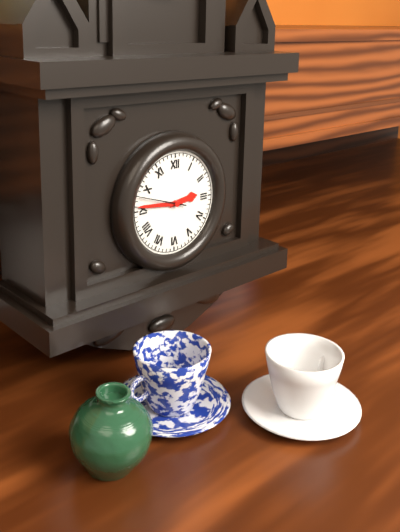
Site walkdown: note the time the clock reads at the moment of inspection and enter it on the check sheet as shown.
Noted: 2:46
